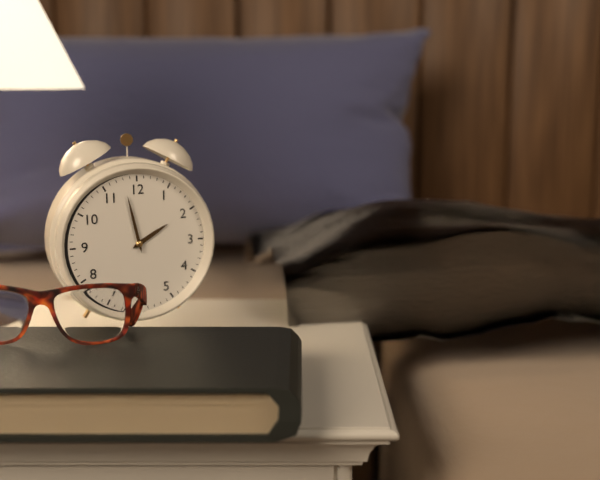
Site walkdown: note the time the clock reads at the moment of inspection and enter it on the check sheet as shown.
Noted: 1:58
